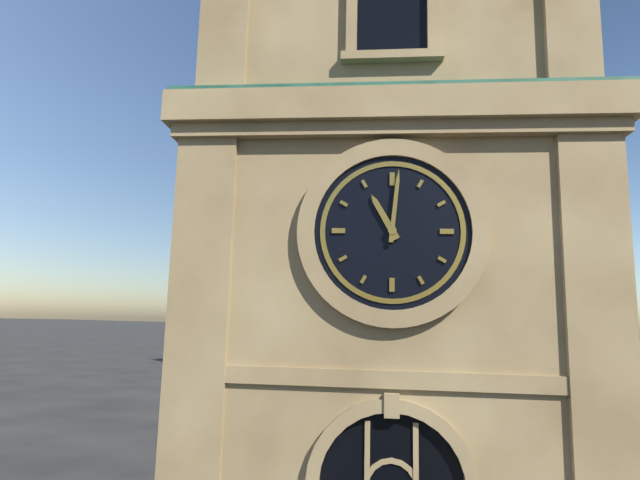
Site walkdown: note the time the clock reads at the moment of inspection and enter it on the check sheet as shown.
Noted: 11:01
